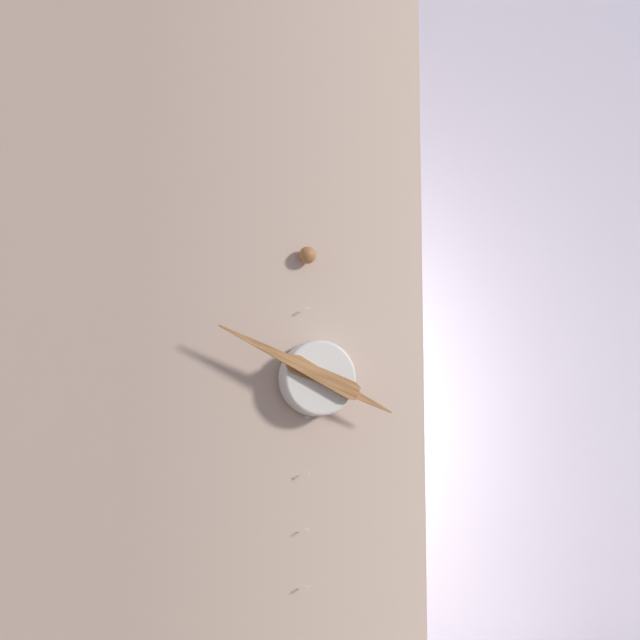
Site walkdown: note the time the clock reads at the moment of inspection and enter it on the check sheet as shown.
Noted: 3:49
